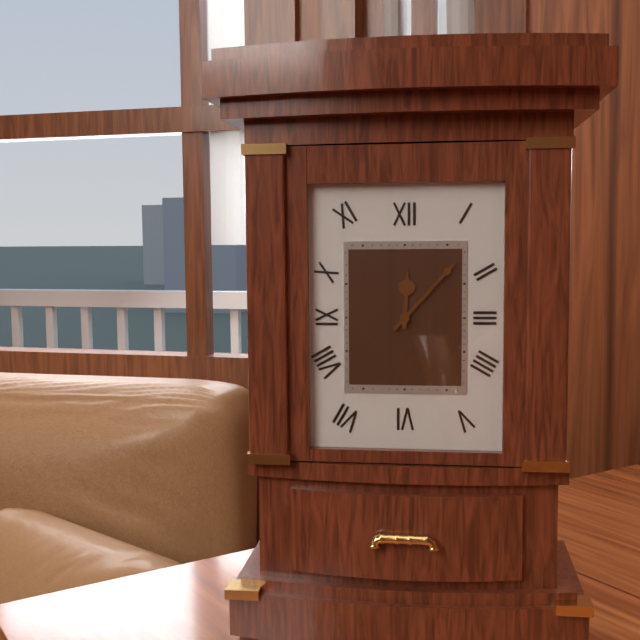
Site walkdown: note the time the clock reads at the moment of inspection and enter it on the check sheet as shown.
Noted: 12:07
